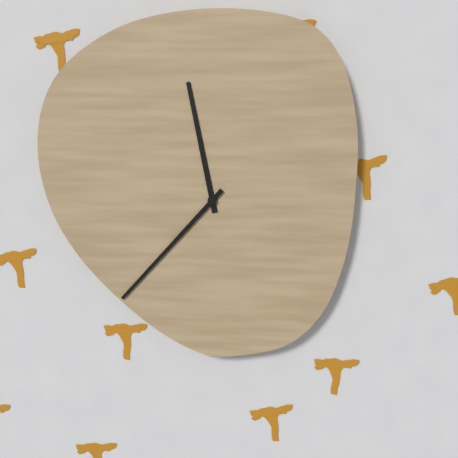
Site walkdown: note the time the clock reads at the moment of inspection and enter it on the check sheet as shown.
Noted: 11:37
